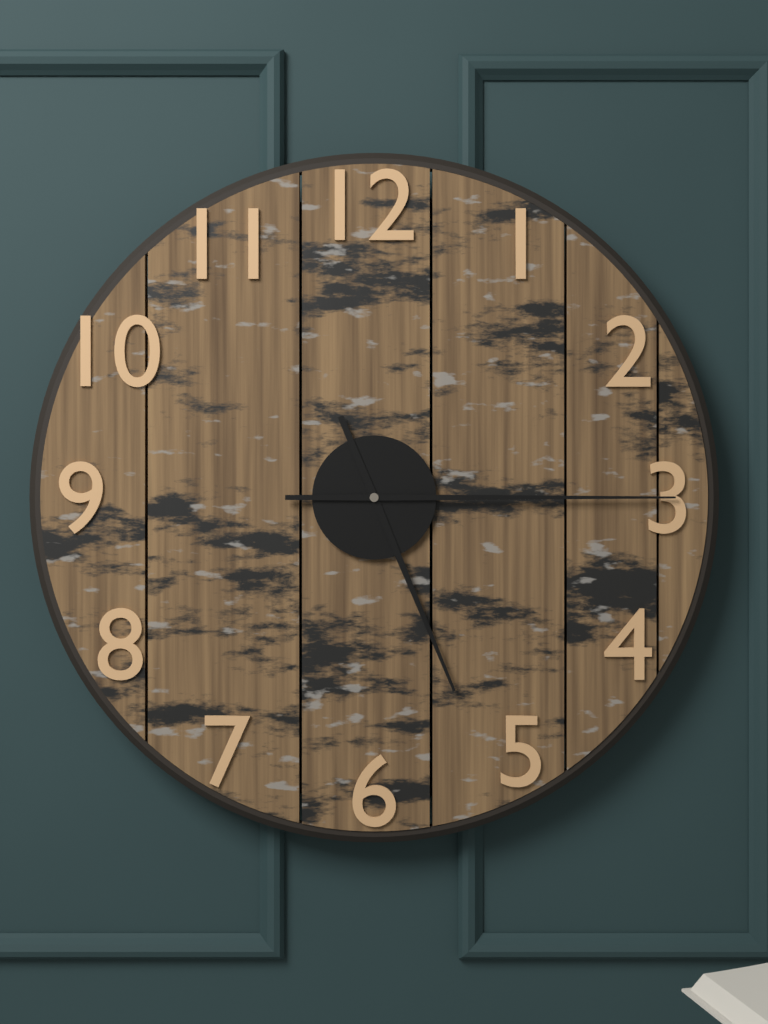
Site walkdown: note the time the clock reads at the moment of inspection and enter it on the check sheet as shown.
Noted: 5:15
